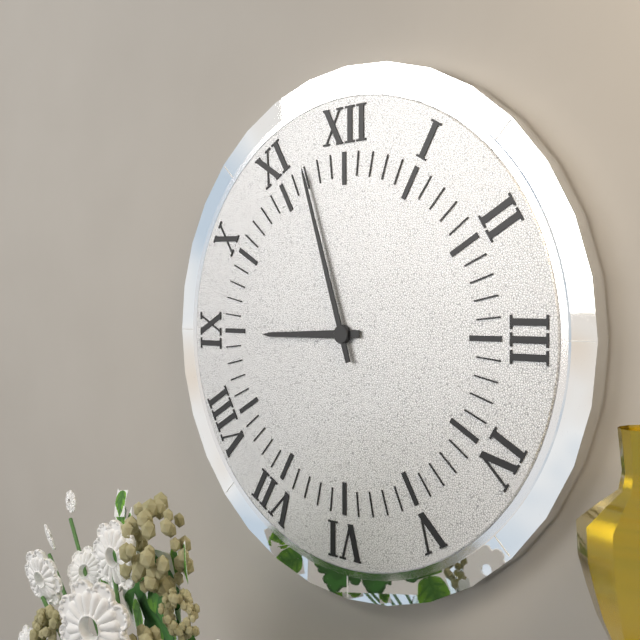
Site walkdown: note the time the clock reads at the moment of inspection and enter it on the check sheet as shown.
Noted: 8:57
